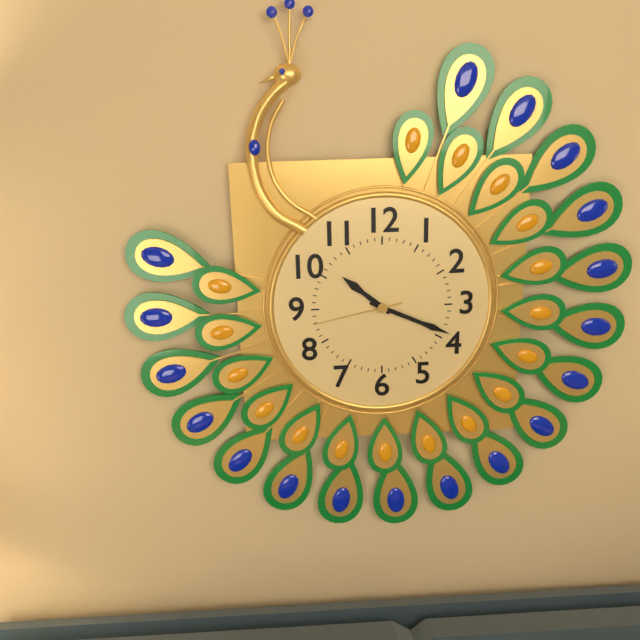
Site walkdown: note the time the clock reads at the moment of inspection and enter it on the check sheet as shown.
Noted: 10:19:43
